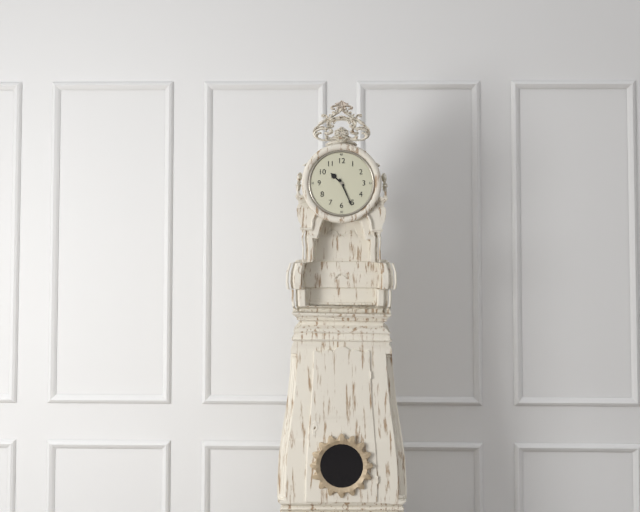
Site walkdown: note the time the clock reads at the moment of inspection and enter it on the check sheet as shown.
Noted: 10:26
